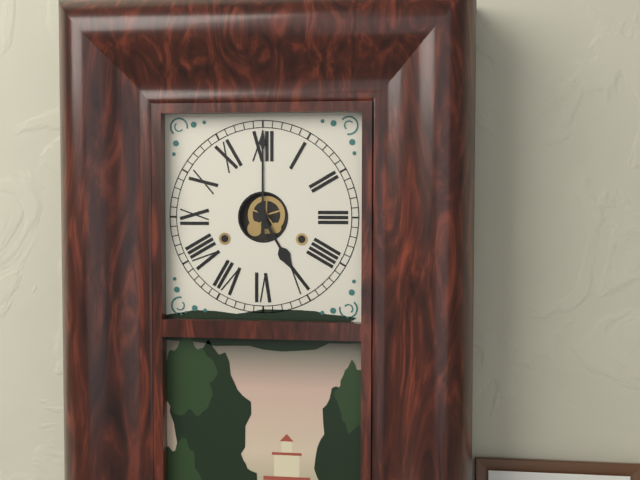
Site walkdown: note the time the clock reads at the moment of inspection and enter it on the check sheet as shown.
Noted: 5:00
